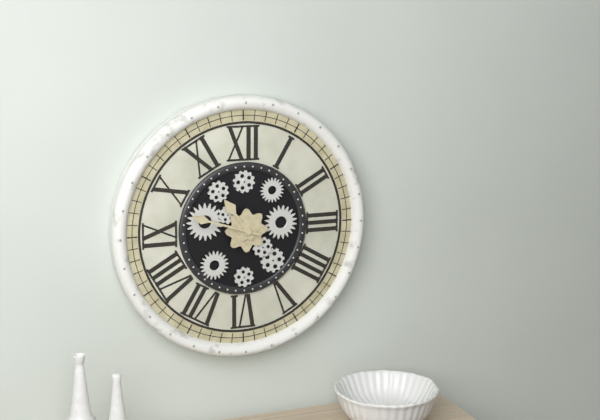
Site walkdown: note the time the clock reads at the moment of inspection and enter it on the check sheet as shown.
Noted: 10:48
